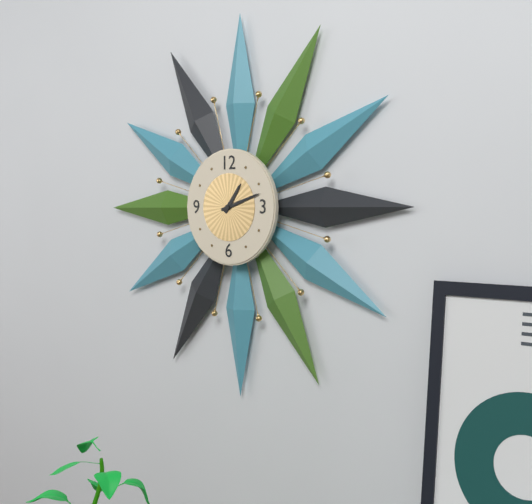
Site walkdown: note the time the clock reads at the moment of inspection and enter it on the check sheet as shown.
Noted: 1:12
